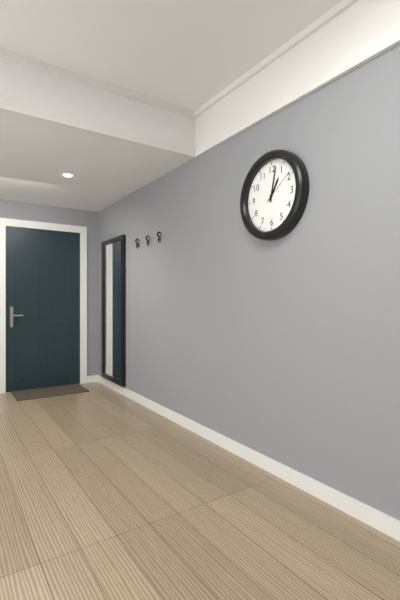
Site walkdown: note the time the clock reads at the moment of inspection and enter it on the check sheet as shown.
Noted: 1:02
